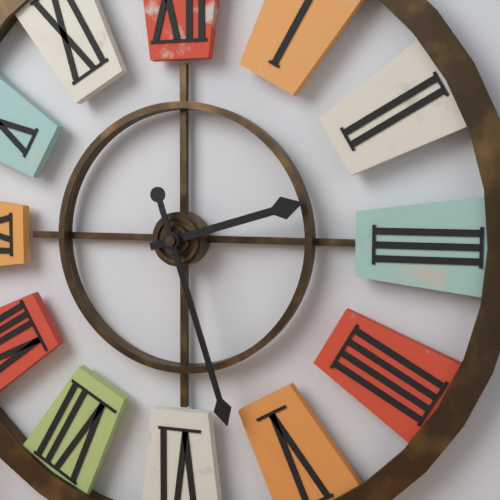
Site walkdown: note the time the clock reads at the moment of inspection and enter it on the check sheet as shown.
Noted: 2:27
